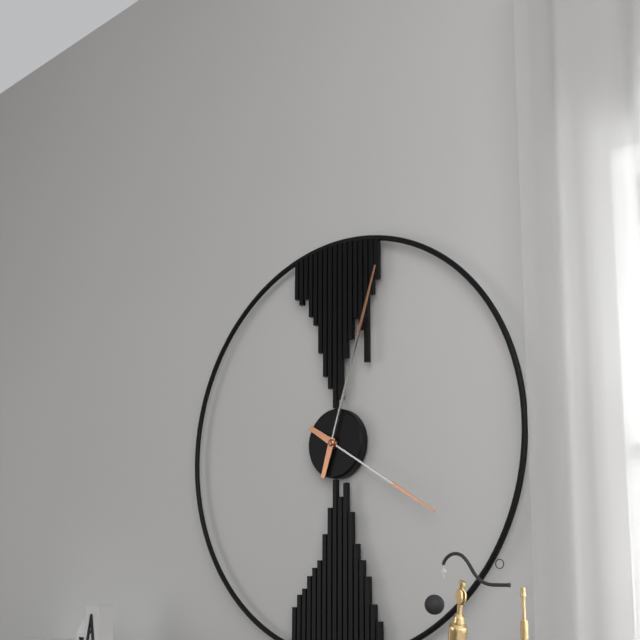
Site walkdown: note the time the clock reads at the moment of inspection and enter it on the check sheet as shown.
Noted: 4:03
